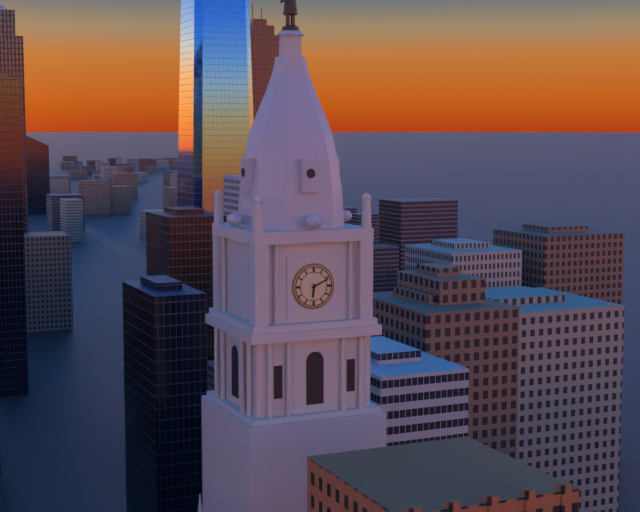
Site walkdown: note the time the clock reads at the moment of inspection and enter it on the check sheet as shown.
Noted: 6:11
